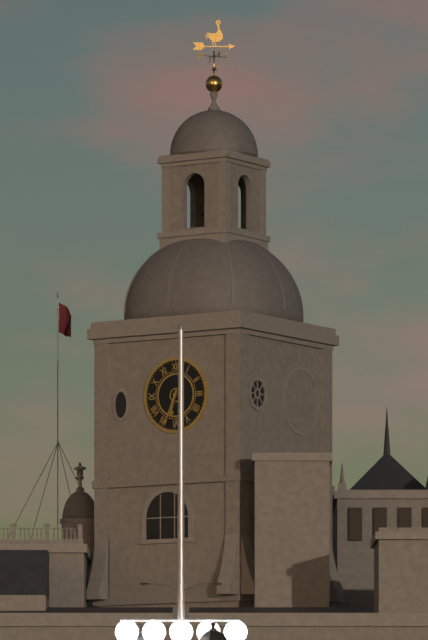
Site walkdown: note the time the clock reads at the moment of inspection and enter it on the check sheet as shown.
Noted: 6:34
